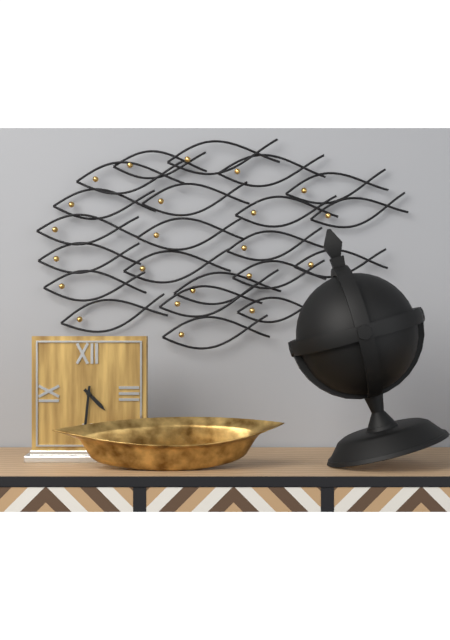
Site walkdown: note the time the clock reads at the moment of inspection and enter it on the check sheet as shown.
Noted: 4:31
